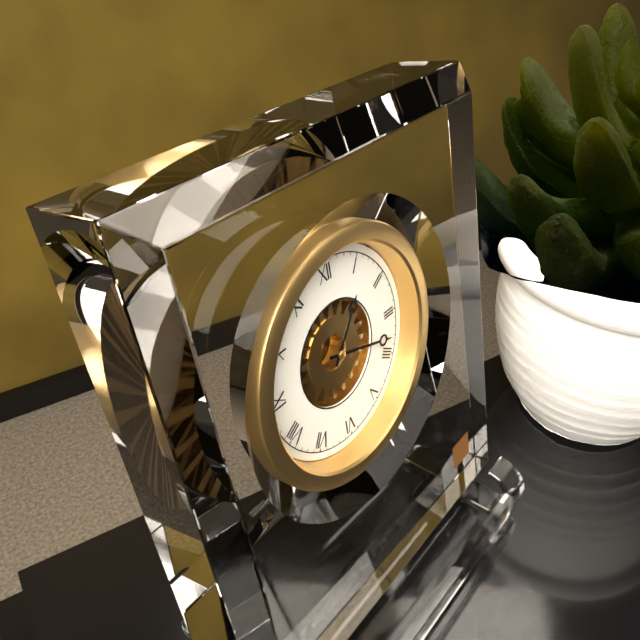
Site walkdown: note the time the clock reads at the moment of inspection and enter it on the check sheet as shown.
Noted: 1:18
